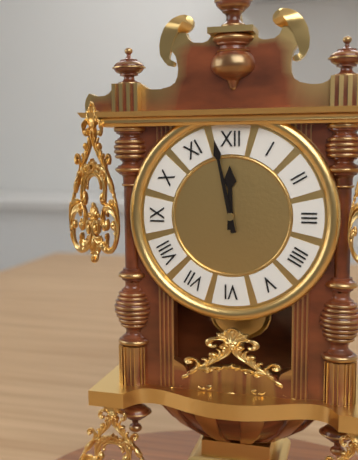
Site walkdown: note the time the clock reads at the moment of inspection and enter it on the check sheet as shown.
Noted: 11:58
